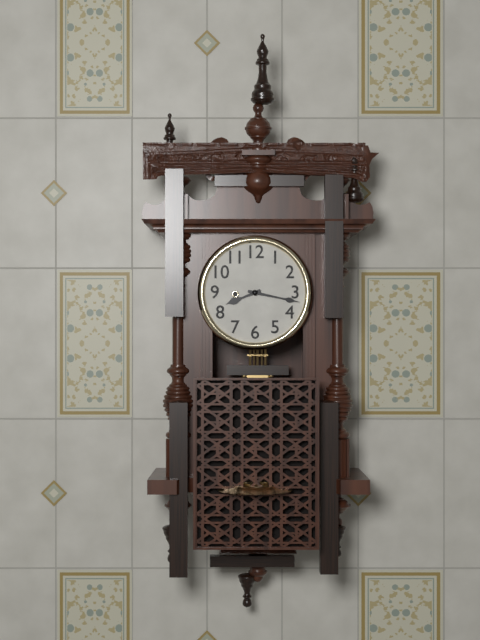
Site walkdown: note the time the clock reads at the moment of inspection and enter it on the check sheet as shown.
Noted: 8:17
